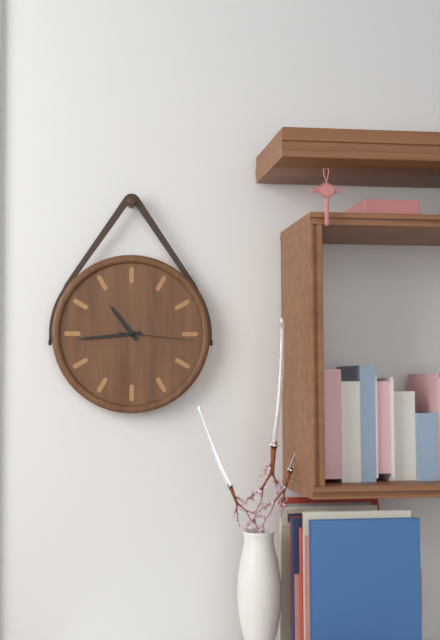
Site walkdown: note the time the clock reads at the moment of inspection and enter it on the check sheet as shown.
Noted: 10:44:16
